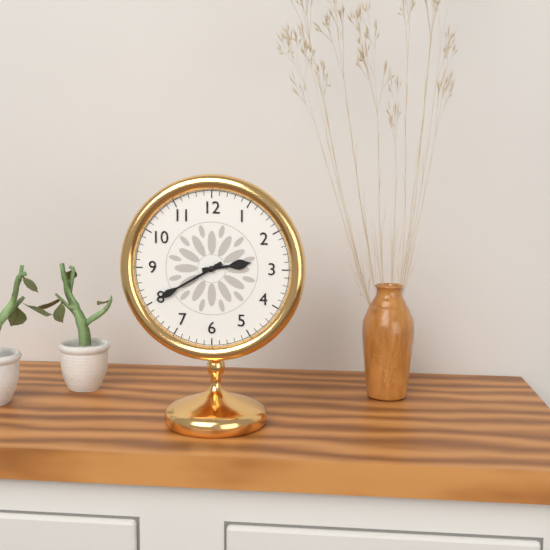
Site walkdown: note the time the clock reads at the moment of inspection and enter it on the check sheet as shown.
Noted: 2:40
